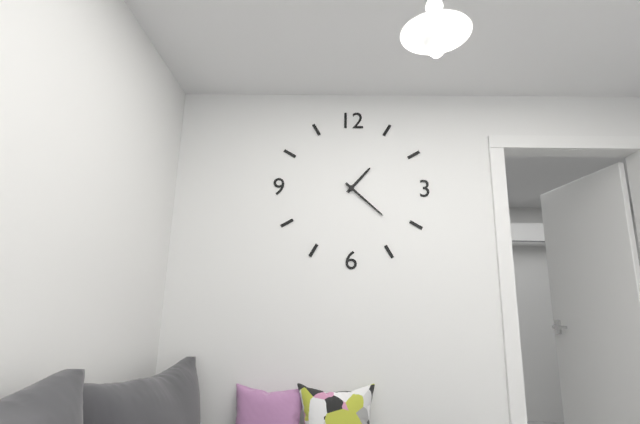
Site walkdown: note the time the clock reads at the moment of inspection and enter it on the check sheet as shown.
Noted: 1:22
